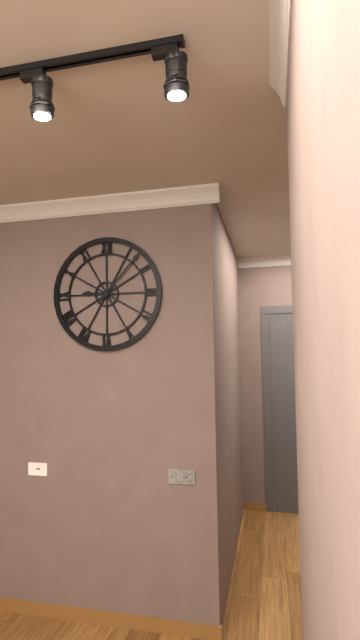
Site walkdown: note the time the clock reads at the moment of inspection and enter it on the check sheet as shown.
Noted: 9:07
